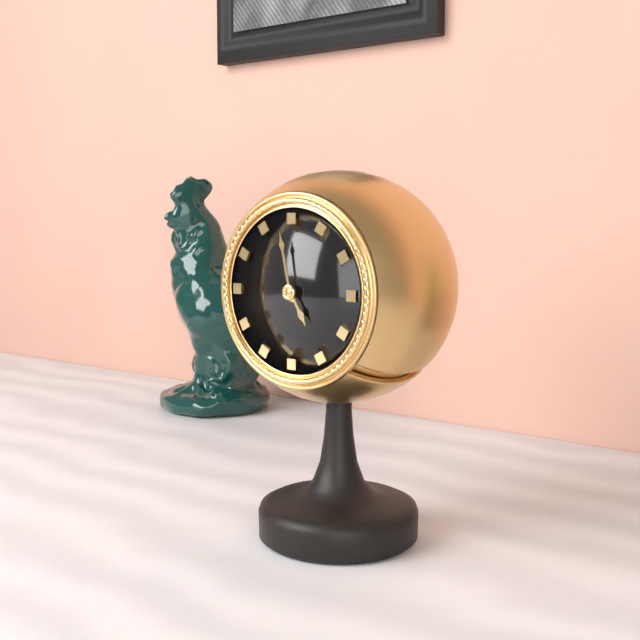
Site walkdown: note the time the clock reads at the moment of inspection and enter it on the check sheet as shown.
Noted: 4:58
